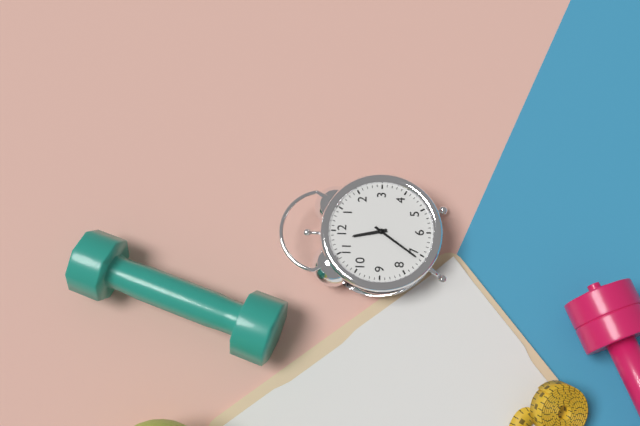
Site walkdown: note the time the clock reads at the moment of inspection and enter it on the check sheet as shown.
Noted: 11:36
